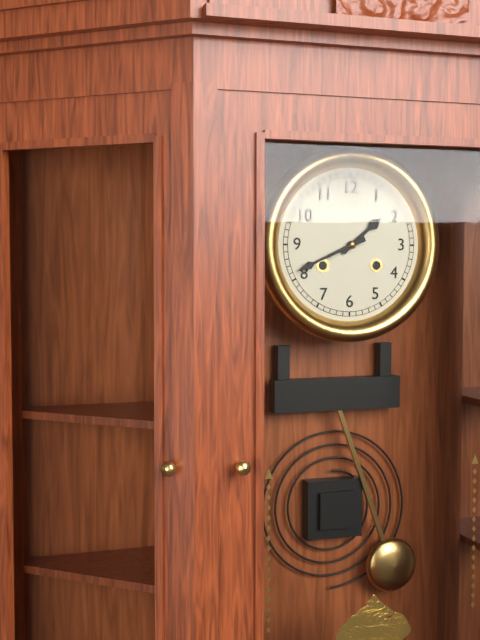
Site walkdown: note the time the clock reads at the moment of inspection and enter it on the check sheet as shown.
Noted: 1:41
